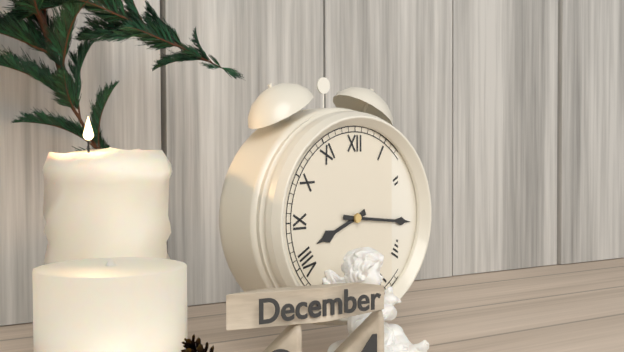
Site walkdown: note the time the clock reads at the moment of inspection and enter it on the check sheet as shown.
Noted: 8:16
